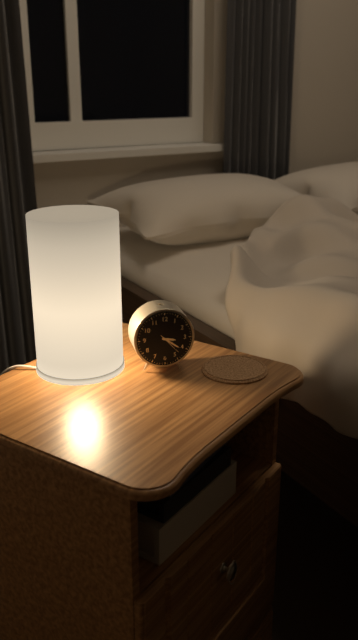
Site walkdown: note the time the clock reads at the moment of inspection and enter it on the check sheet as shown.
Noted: 3:21
